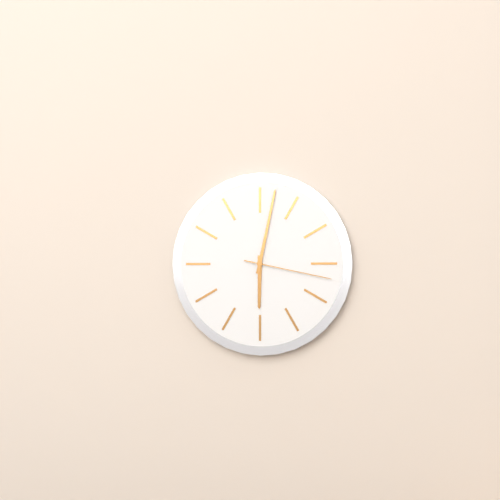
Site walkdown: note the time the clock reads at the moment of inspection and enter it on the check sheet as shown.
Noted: 6:02:17
